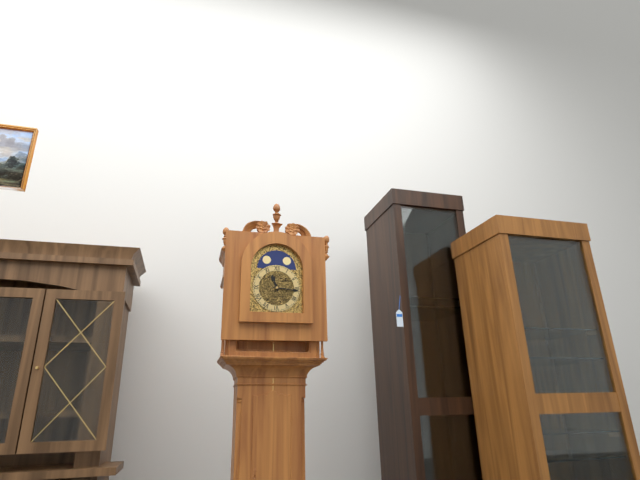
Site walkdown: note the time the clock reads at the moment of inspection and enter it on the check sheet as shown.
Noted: 11:16
